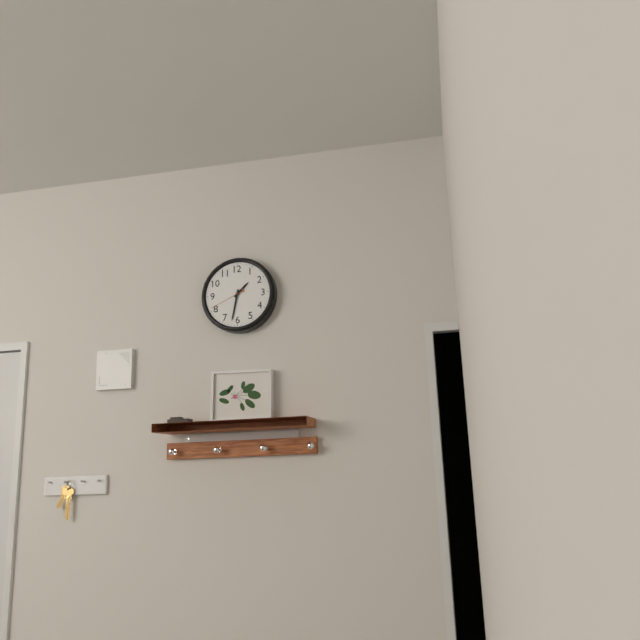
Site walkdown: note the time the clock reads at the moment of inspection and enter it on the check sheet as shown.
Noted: 1:32
